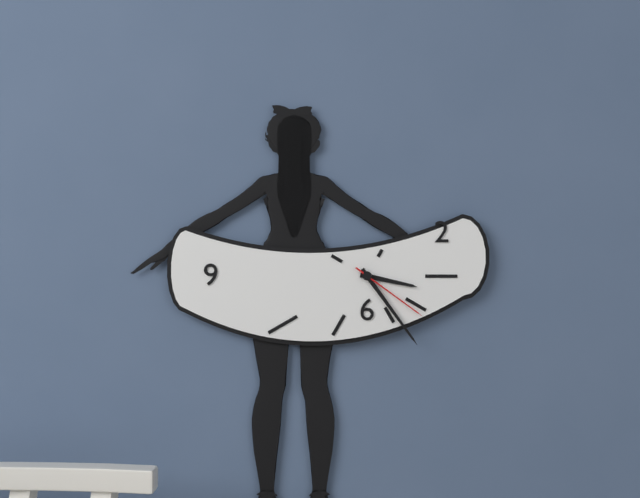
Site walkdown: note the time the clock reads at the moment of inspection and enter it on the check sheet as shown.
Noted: 3:24:21
